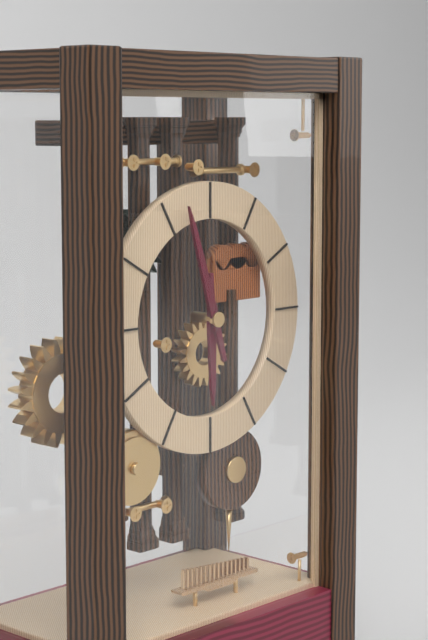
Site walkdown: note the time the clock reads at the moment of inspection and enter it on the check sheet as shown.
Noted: 5:57
